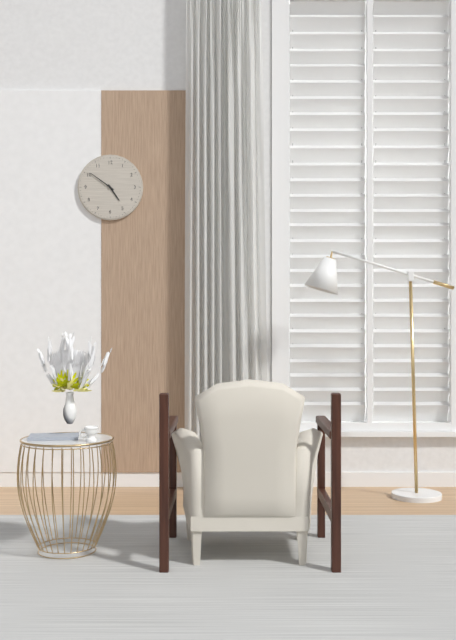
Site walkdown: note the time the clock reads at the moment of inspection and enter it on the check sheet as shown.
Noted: 4:51
